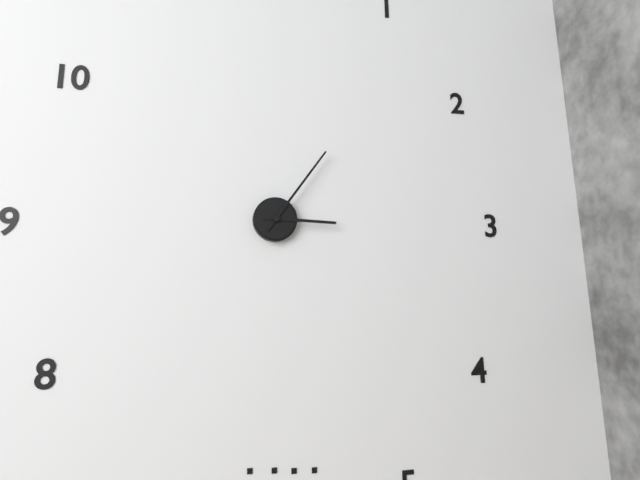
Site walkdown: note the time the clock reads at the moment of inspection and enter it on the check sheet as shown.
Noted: 3:06
